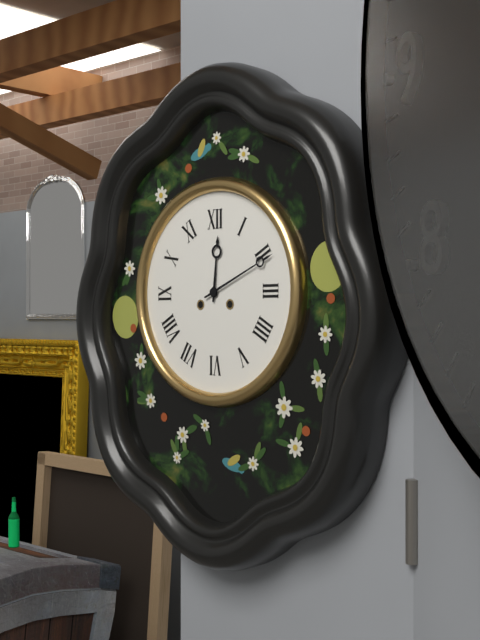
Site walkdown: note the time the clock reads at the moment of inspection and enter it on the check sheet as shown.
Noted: 12:11
